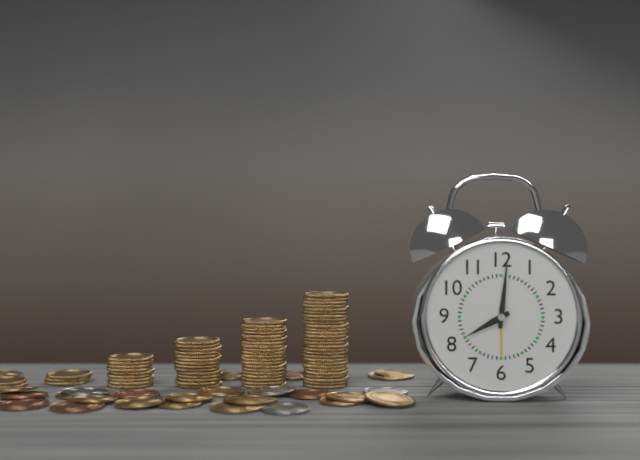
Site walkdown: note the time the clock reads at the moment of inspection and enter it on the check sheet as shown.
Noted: 8:01
